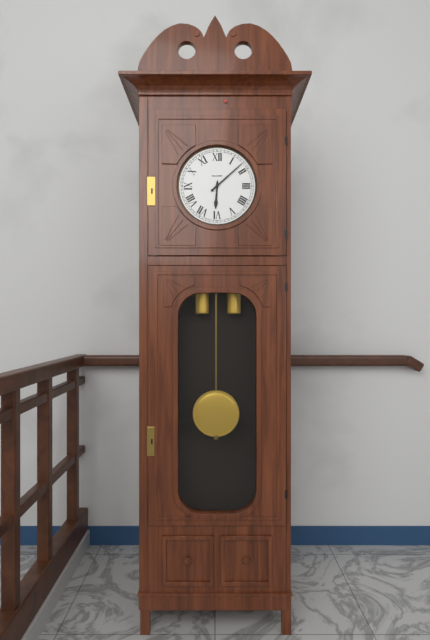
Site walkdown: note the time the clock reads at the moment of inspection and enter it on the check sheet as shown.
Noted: 6:08
